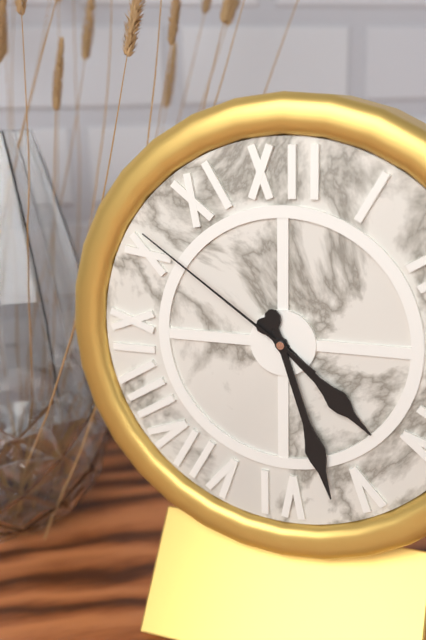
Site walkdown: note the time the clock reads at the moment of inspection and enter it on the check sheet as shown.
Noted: 4:27:51
